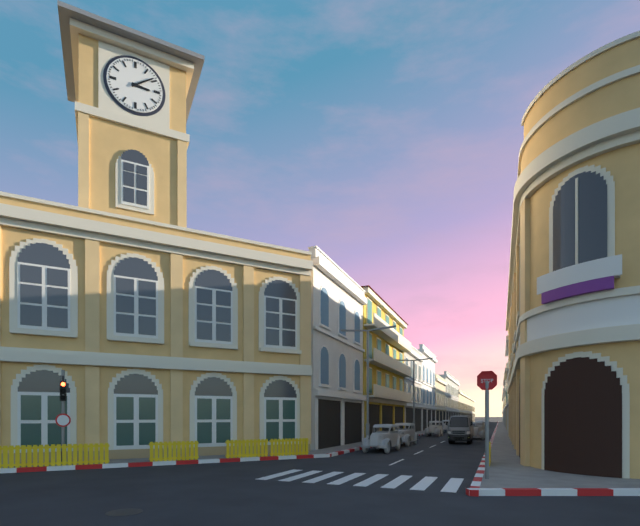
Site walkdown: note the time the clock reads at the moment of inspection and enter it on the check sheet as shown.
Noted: 3:09
